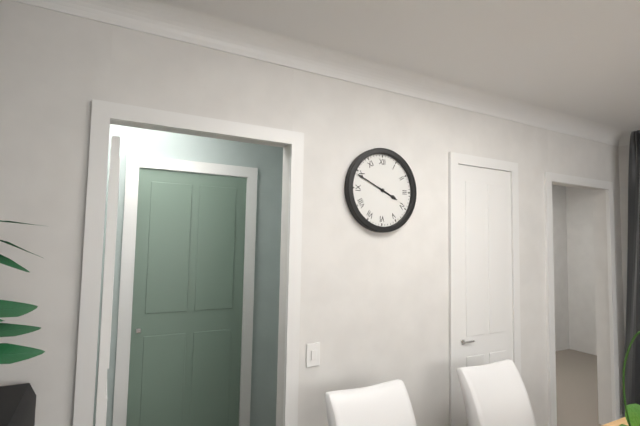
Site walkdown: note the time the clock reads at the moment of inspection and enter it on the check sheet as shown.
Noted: 3:49
